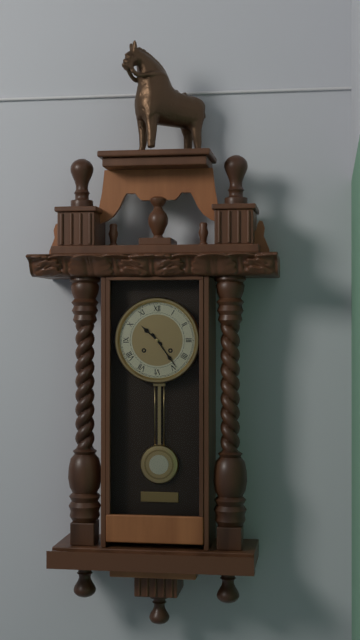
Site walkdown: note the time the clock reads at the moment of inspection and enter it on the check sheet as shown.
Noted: 10:24
